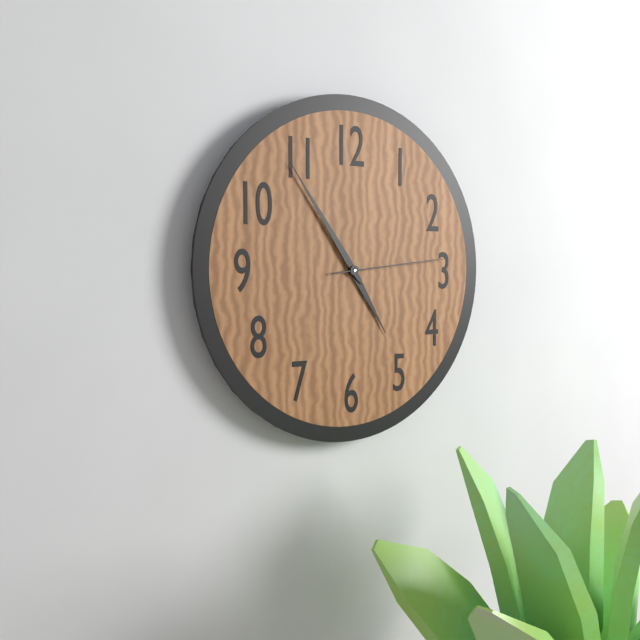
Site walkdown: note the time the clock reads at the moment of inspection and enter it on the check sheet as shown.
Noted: 4:54:14
